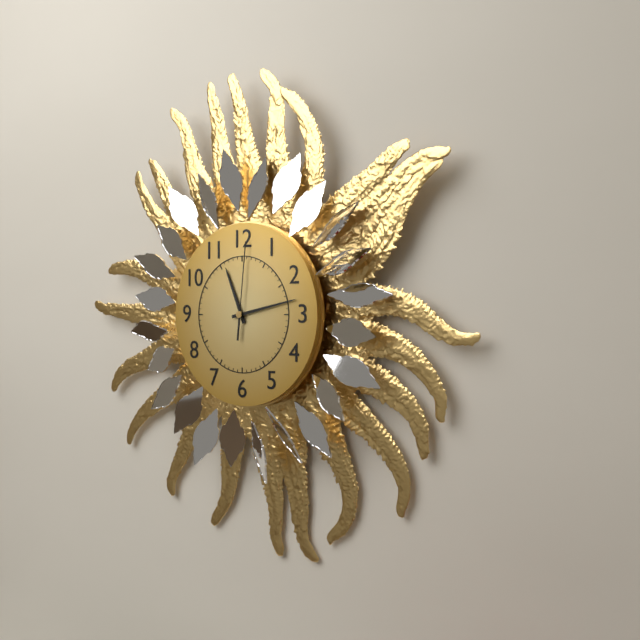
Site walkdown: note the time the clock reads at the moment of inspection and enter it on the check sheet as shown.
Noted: 11:13:01
